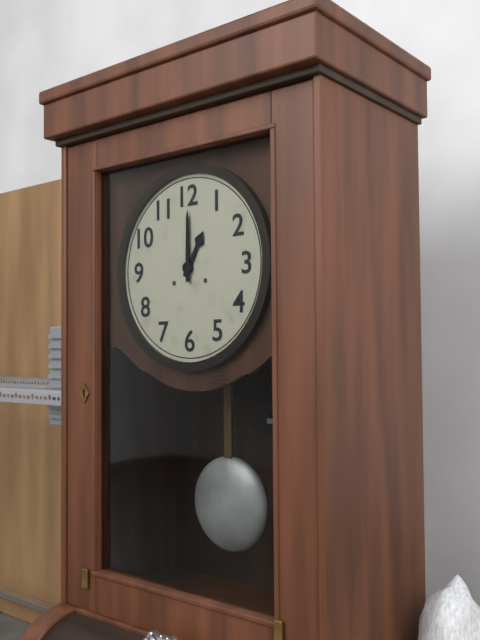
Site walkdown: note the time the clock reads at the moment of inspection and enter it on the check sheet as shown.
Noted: 1:00
